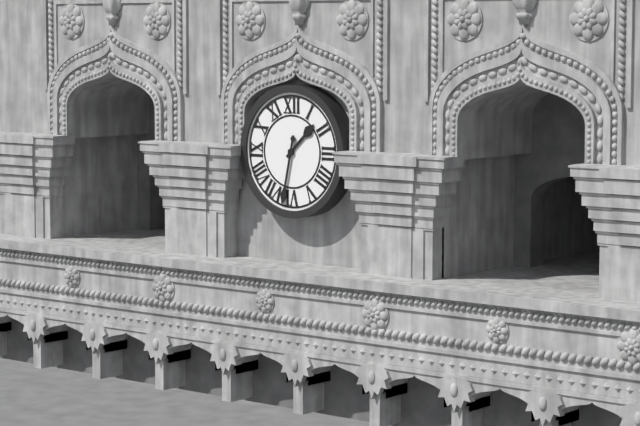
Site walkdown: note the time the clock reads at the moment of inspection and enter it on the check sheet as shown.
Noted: 1:32
